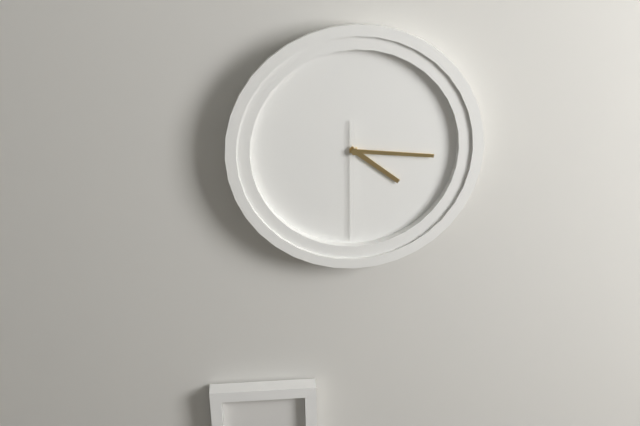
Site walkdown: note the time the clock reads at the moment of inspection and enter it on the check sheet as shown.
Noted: 4:16:30
